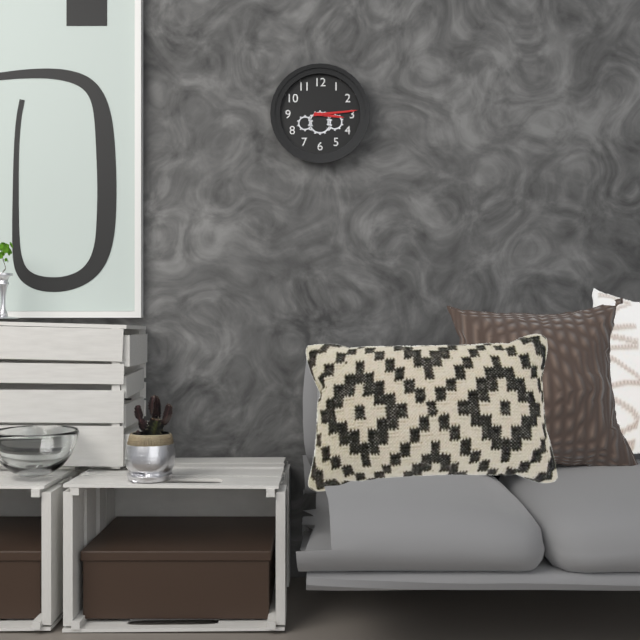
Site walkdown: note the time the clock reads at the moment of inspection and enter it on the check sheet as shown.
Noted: 3:14
